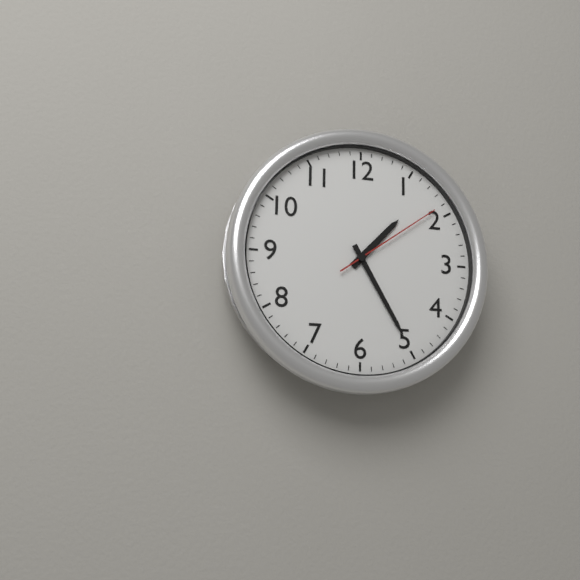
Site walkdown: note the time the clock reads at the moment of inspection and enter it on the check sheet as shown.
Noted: 1:25:09
